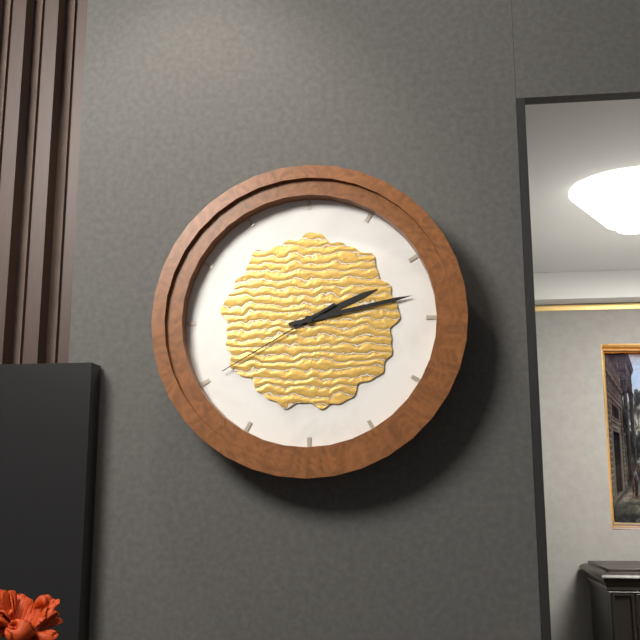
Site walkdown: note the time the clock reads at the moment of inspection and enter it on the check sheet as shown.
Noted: 2:13:40
